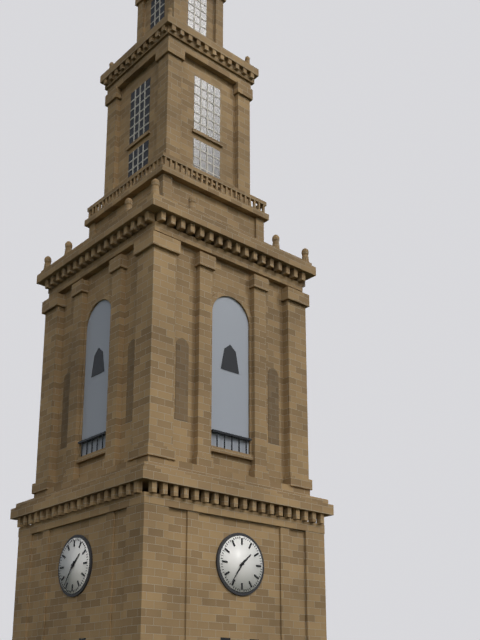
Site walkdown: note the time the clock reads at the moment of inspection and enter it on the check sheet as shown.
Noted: 1:36
